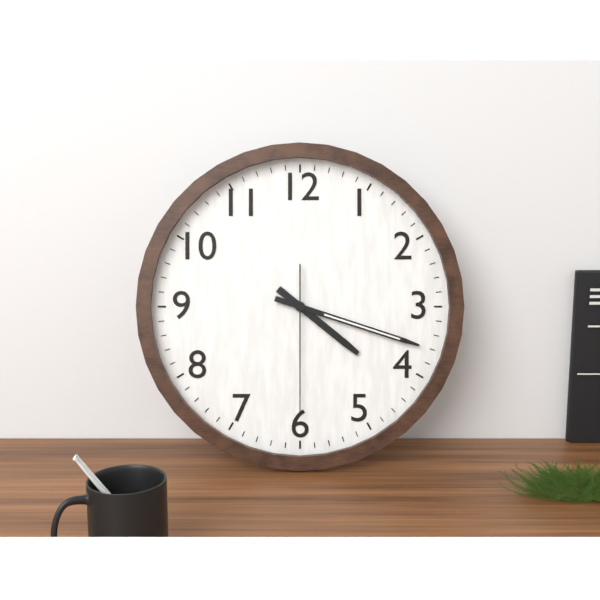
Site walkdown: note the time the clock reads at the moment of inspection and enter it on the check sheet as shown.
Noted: 4:18:30
